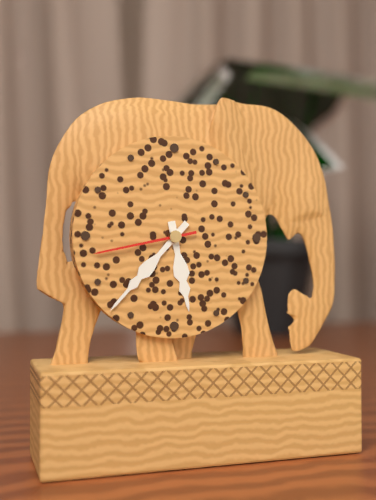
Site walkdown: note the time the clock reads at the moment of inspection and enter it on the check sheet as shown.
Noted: 5:37:43
